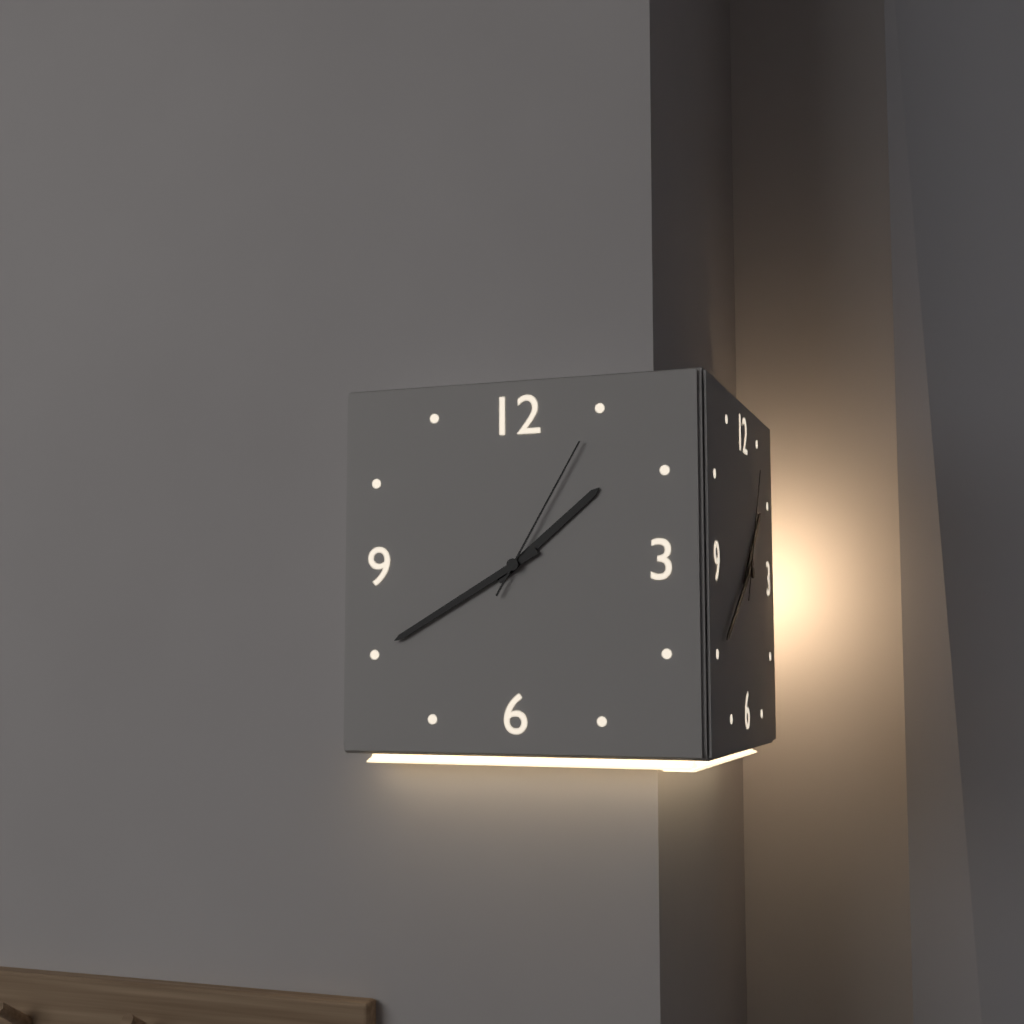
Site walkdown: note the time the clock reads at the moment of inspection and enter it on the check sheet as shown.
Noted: 1:40:05
